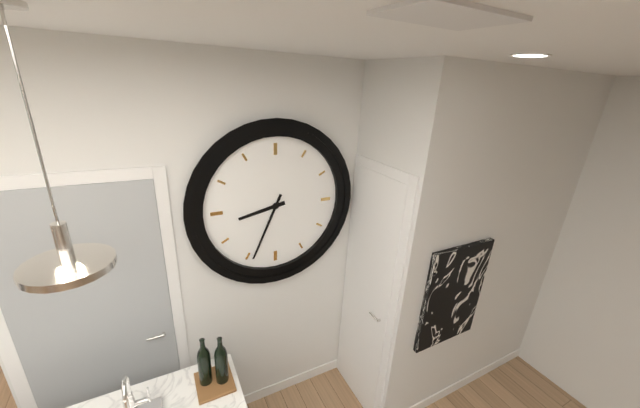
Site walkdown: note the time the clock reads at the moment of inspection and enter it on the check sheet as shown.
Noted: 8:34
